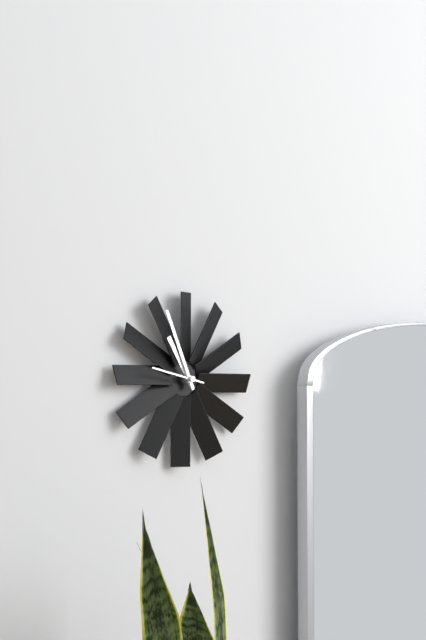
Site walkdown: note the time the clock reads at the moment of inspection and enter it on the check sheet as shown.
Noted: 10:56:47
